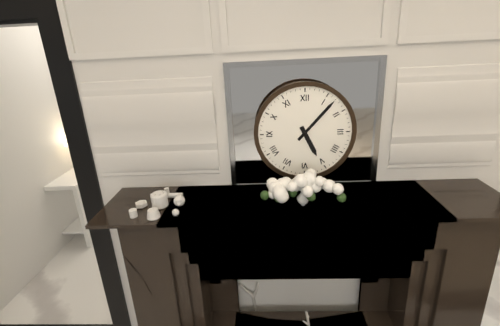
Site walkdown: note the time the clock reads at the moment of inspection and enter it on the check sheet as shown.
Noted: 5:07
